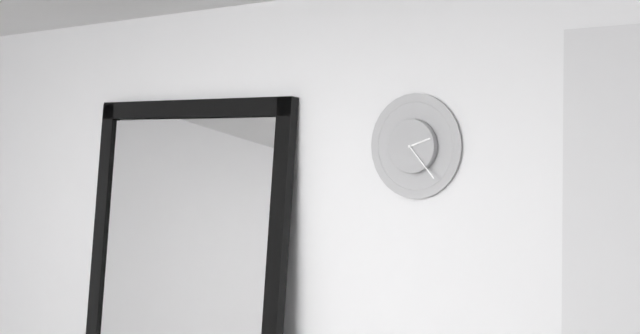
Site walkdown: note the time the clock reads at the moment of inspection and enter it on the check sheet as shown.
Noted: 2:23
